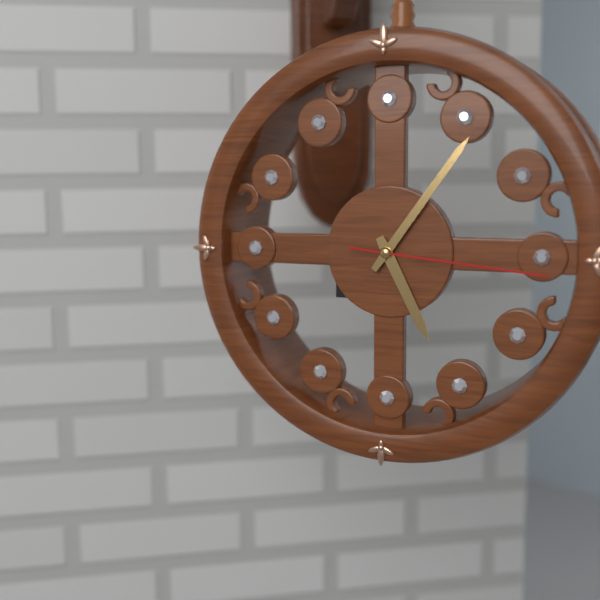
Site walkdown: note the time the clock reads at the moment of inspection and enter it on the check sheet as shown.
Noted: 5:06:16
